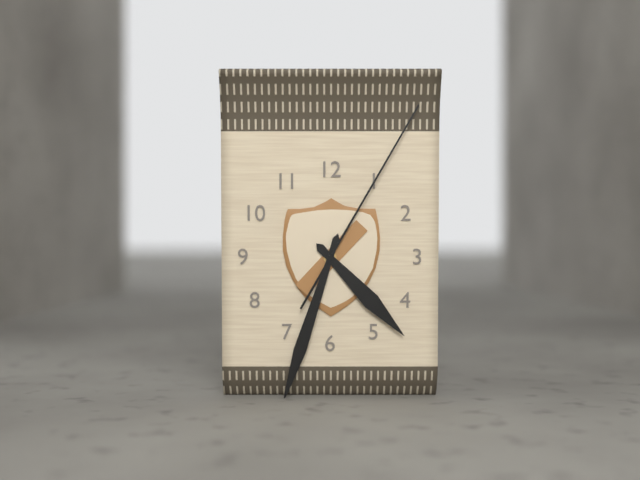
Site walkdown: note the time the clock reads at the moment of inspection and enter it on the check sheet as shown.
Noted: 4:33:05
